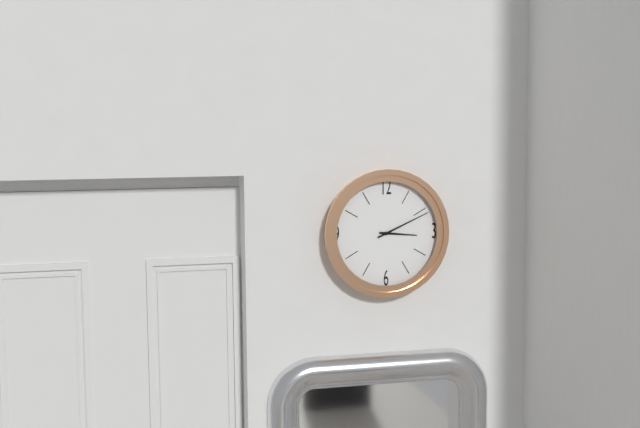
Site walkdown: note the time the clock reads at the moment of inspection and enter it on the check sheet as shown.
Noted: 3:11
